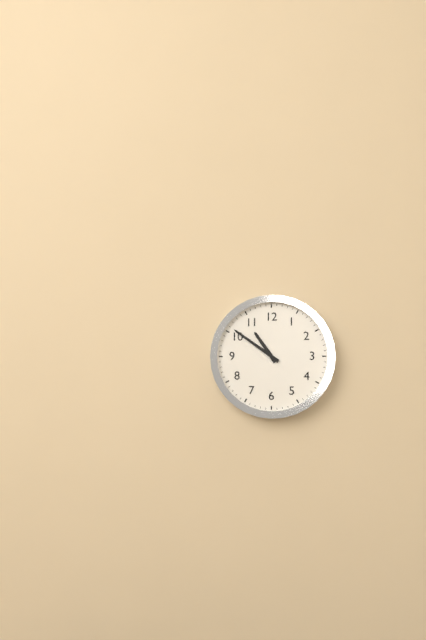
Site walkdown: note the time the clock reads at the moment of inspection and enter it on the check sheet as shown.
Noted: 10:51
